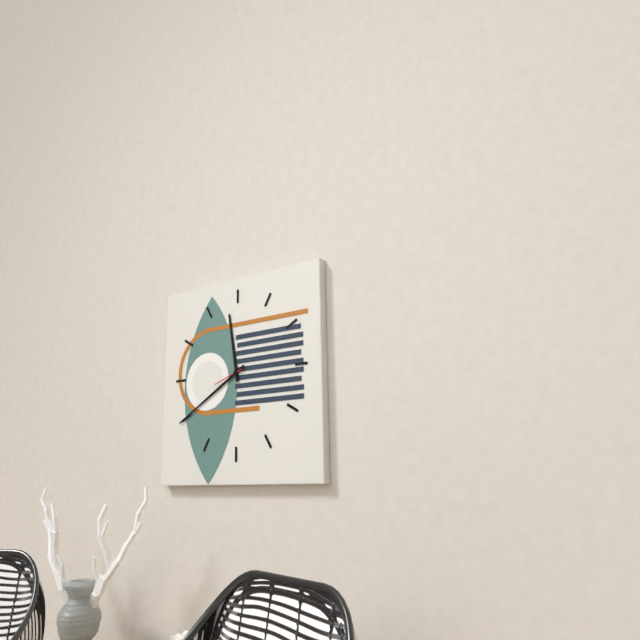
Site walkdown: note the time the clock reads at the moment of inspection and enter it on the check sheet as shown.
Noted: 11:40
